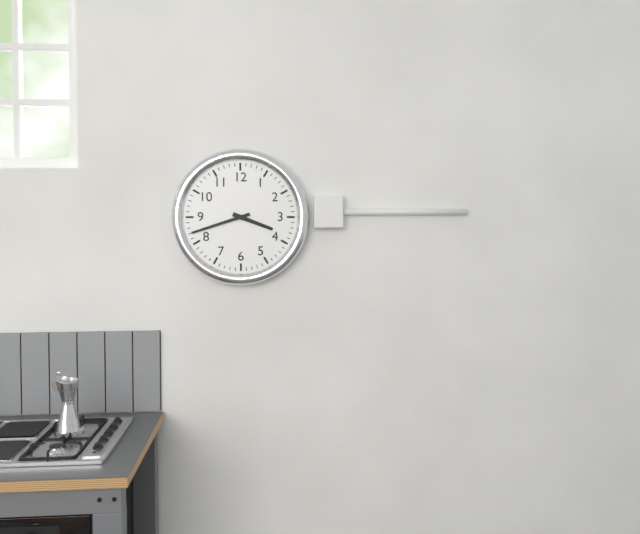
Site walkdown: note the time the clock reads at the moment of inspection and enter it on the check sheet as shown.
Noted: 3:42
